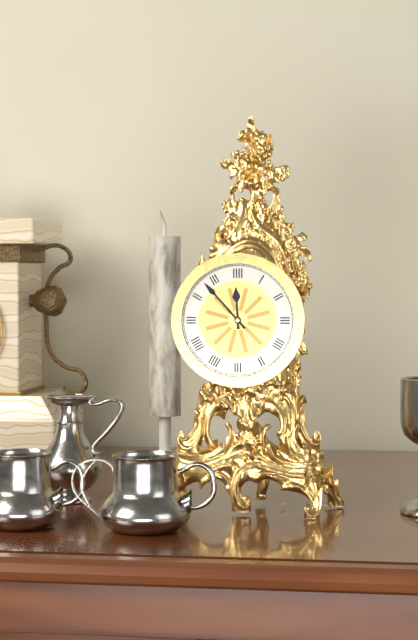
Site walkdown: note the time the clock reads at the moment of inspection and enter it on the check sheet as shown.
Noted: 11:53
